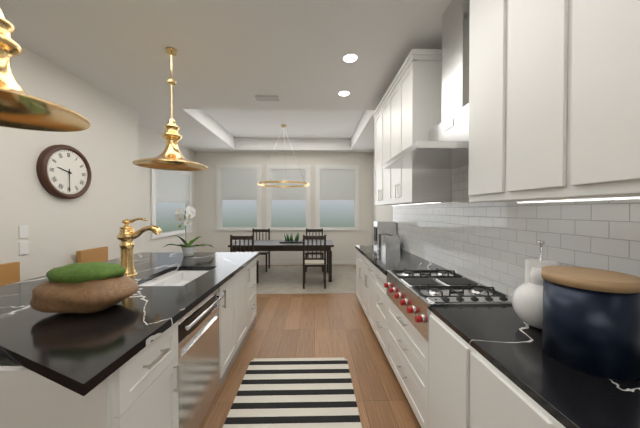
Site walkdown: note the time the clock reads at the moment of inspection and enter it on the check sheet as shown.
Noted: 9:30
